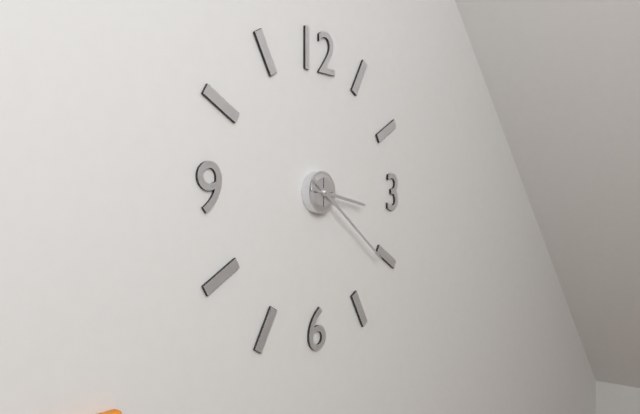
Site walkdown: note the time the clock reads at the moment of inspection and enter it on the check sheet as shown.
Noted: 3:21
